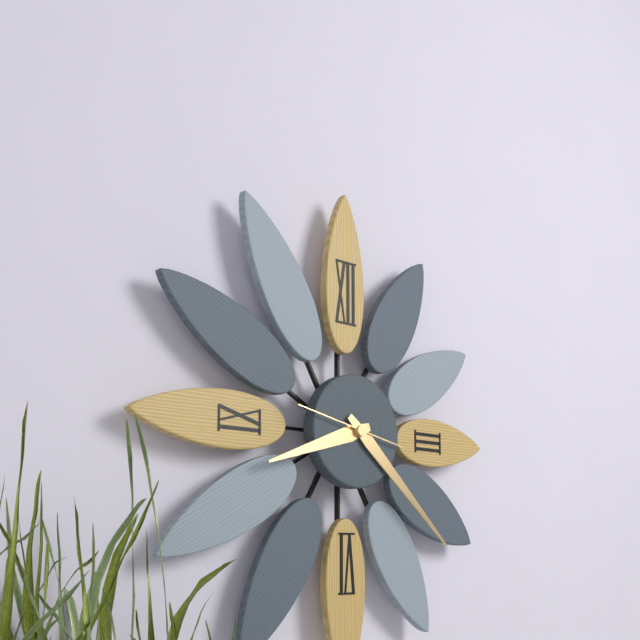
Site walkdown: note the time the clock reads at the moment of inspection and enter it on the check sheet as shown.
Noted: 8:22:47
